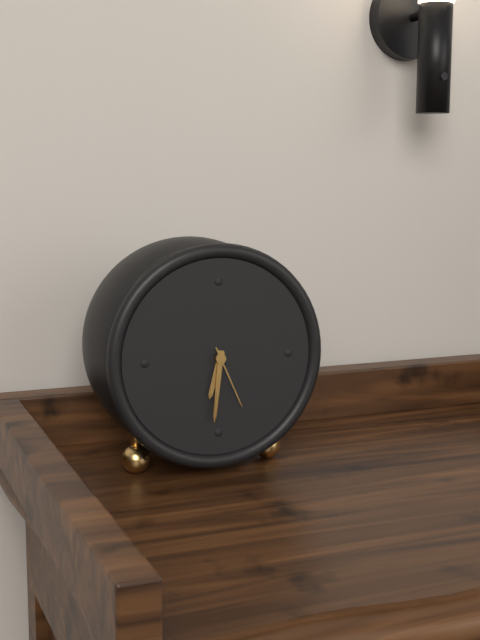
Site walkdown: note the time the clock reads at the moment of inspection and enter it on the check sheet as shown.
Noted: 6:31:26
